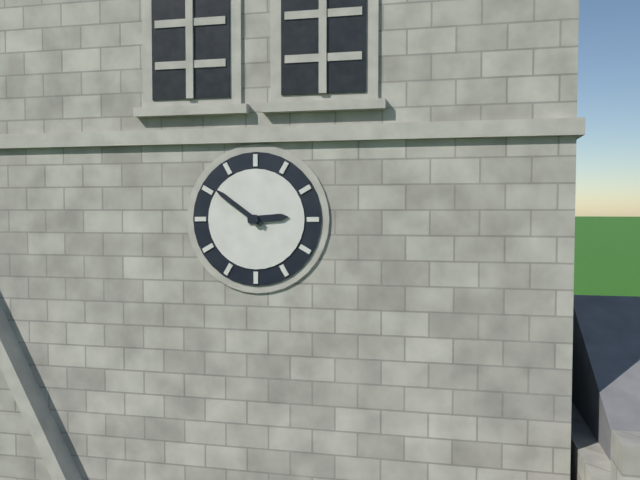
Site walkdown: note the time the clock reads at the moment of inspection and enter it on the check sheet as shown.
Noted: 2:51
